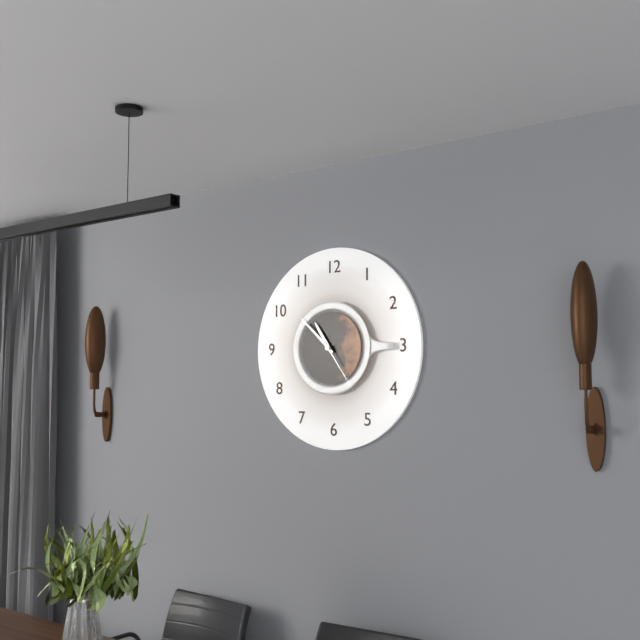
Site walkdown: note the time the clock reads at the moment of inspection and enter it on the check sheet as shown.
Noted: 10:52:24
